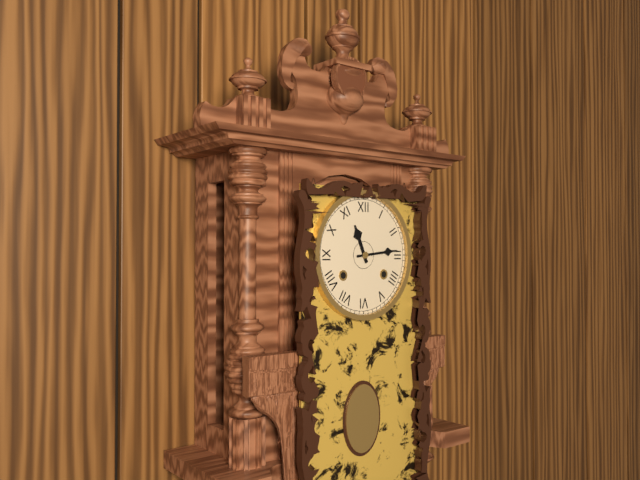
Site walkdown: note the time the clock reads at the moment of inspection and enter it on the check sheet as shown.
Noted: 11:14
